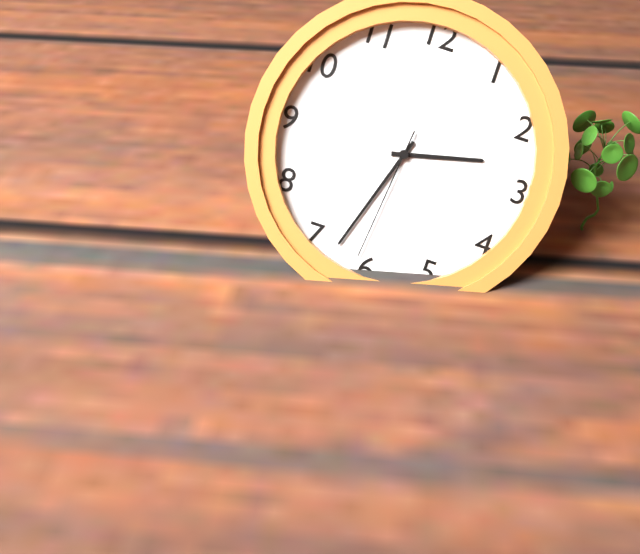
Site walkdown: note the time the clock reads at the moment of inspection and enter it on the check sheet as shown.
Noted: 2:33:31
